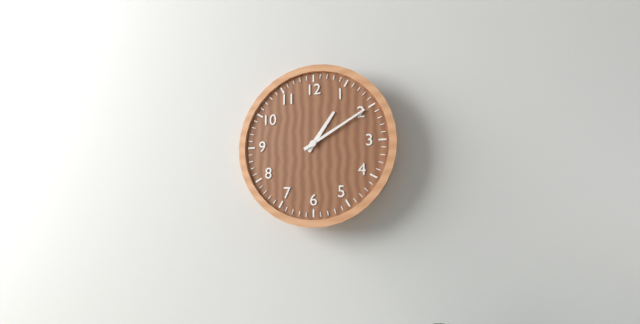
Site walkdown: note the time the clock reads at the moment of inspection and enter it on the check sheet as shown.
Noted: 1:10
